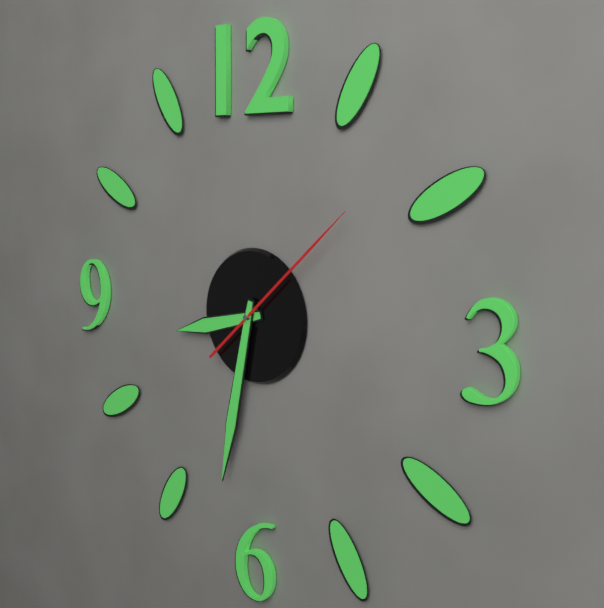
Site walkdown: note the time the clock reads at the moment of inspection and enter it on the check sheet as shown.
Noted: 8:32:08
